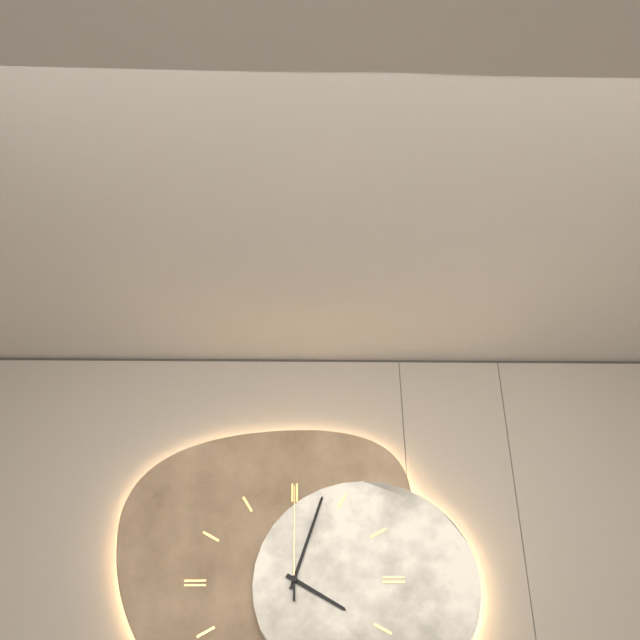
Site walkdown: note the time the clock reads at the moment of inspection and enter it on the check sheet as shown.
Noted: 4:03:00
